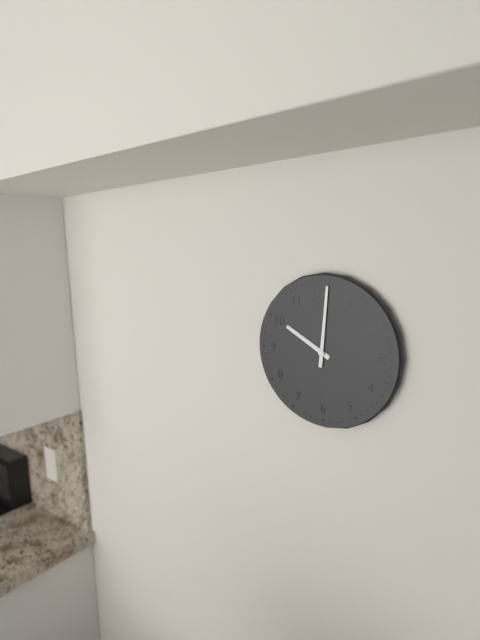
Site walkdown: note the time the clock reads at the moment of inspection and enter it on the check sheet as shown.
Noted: 10:01
